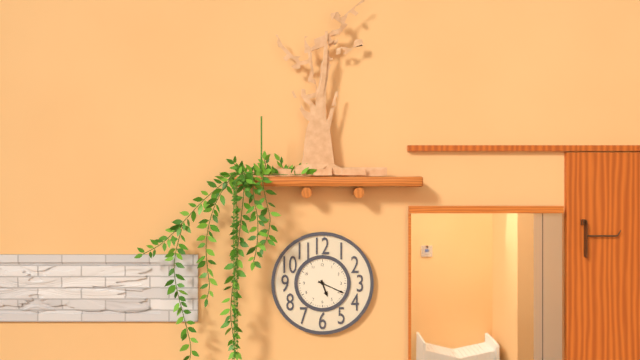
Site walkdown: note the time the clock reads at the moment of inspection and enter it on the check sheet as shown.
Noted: 5:19
